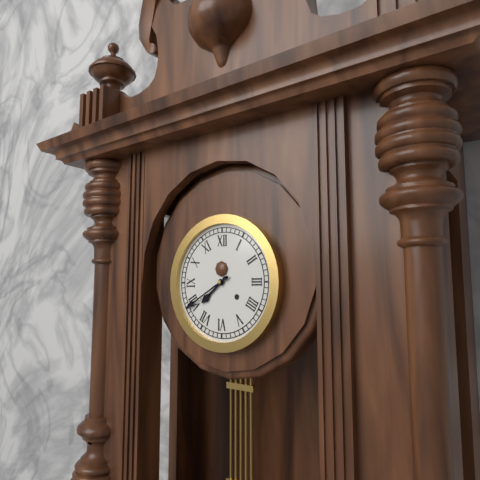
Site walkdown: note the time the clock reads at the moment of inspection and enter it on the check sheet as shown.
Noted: 7:40
